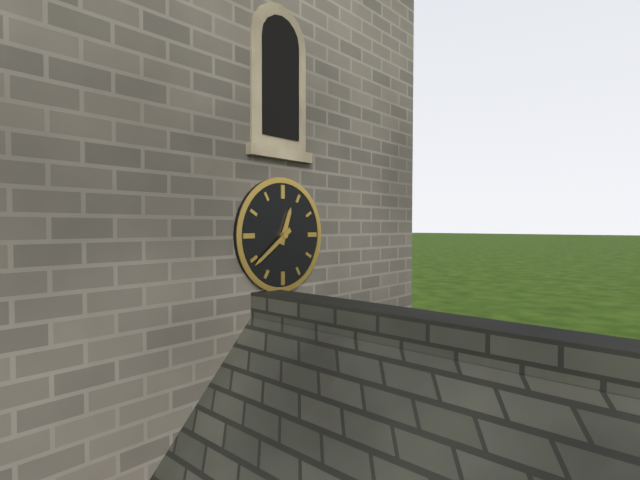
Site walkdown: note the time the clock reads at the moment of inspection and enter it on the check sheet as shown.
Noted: 12:39
